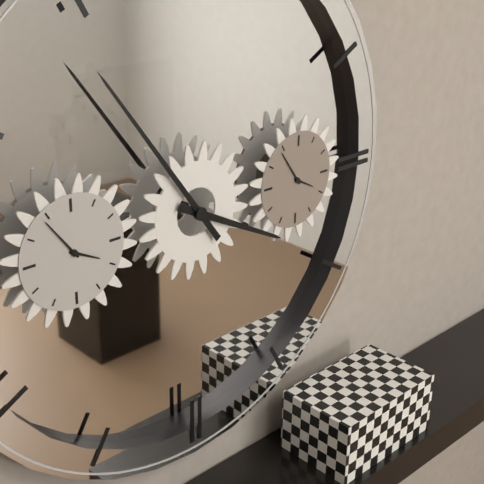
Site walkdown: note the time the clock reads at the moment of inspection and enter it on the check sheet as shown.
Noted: 3:54
